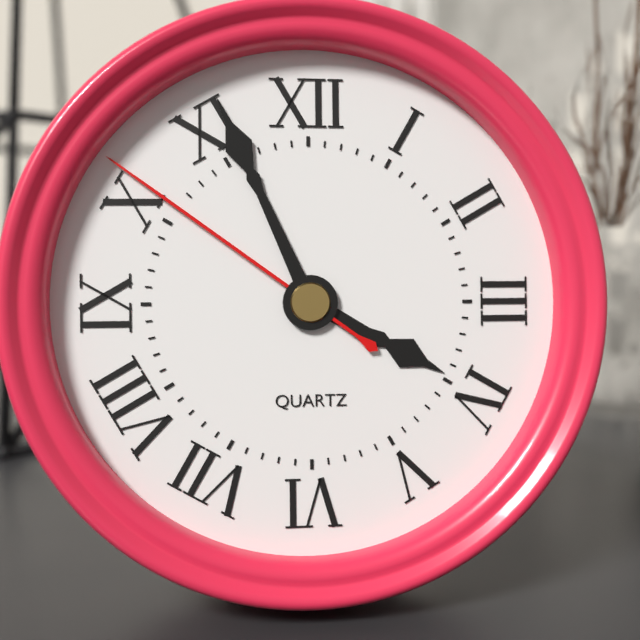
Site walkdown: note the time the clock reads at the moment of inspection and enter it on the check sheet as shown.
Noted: 3:56:51
